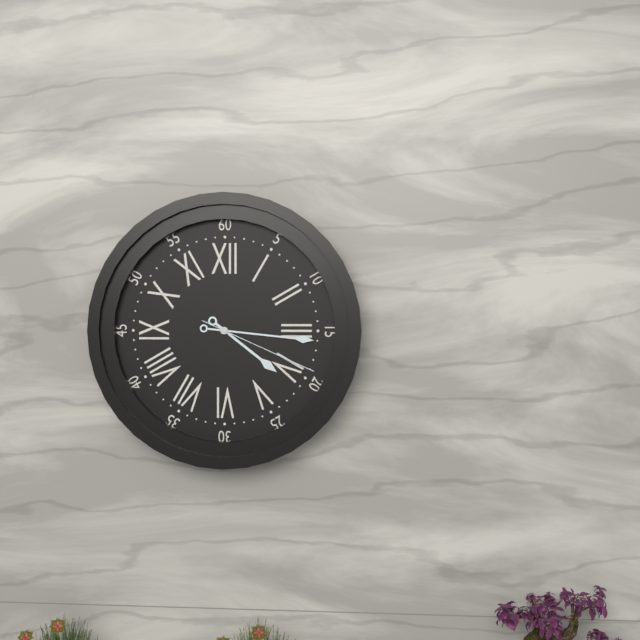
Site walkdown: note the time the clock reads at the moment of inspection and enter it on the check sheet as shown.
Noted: 4:16:19
